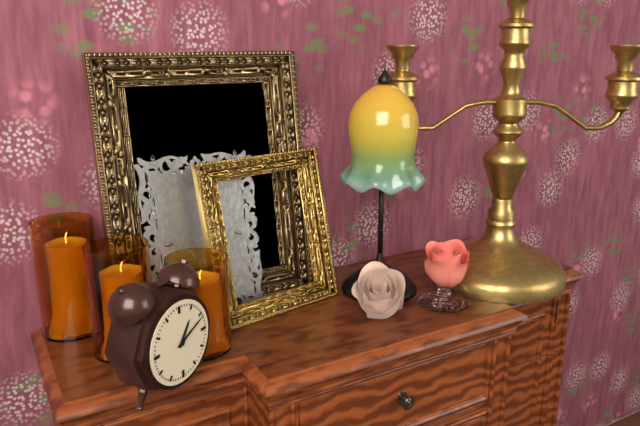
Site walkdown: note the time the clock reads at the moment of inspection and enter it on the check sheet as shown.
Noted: 1:11
